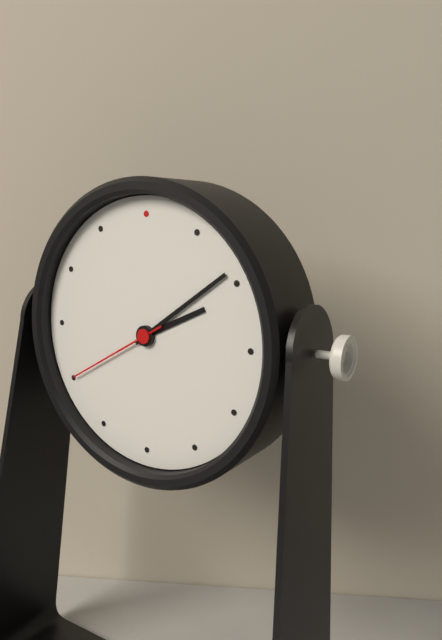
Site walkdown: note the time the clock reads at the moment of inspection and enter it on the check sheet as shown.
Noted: 2:09:40
